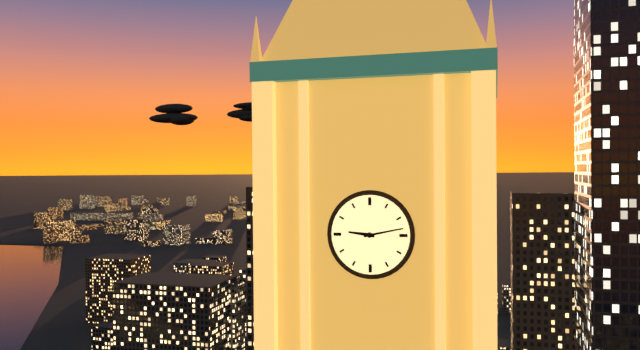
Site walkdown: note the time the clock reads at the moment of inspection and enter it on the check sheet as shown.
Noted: 9:13
